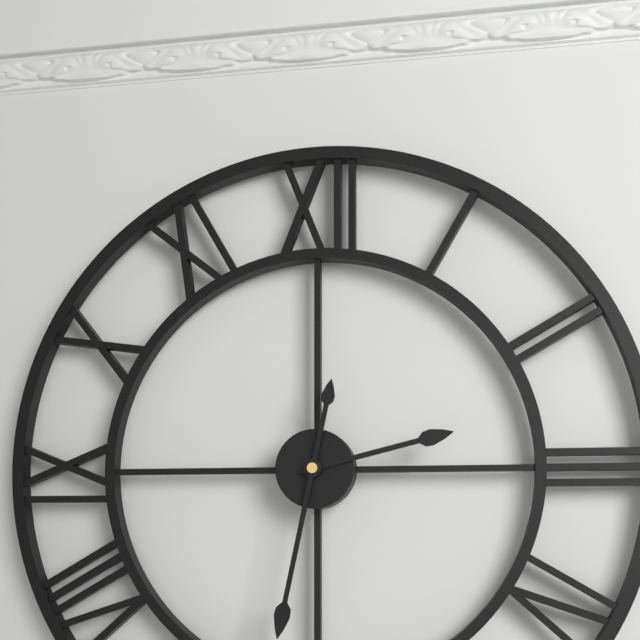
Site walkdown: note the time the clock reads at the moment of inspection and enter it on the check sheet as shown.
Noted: 2:32
